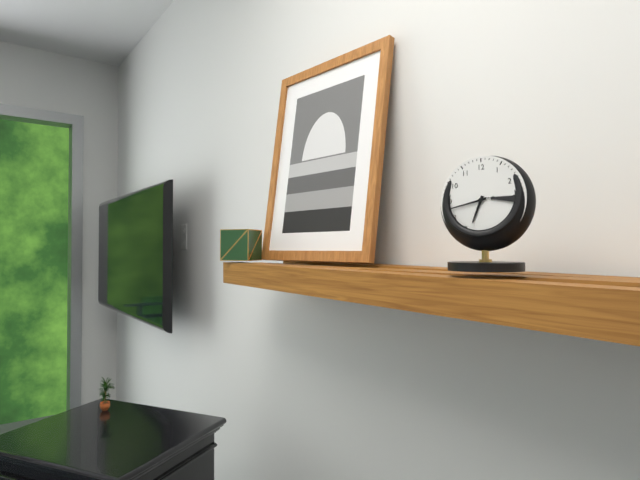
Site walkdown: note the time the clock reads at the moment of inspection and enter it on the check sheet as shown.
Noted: 6:43
